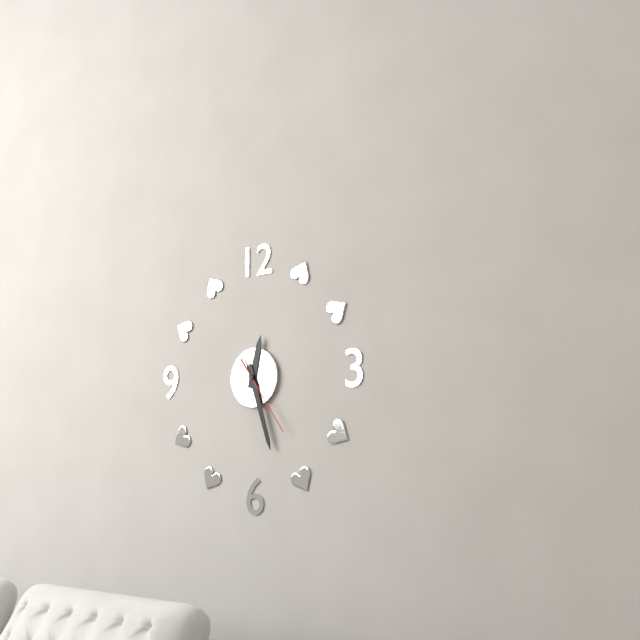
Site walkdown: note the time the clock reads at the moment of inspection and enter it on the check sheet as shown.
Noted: 12:27:24
